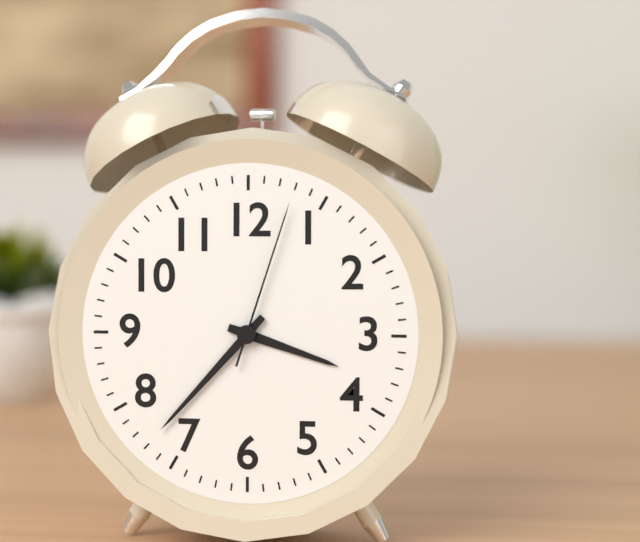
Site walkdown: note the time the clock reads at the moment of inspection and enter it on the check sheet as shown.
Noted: 3:37:03
